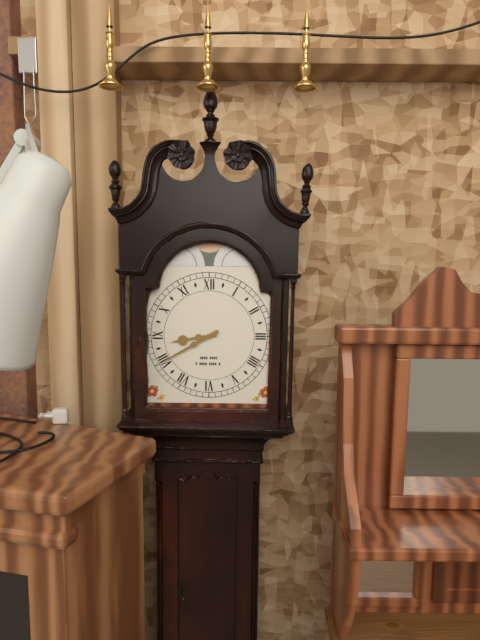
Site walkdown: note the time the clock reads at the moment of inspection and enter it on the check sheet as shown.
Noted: 8:40
